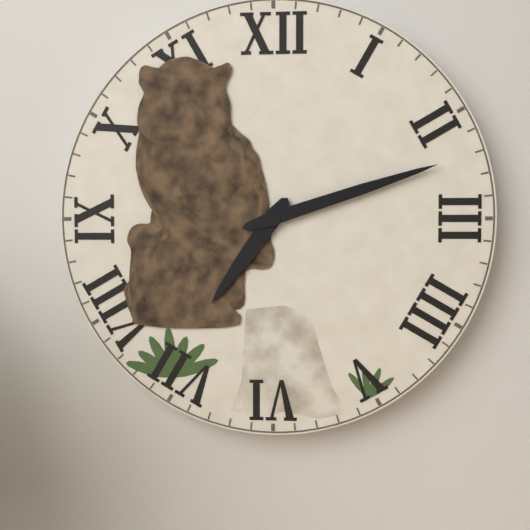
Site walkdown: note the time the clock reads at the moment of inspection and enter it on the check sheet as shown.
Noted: 7:12
